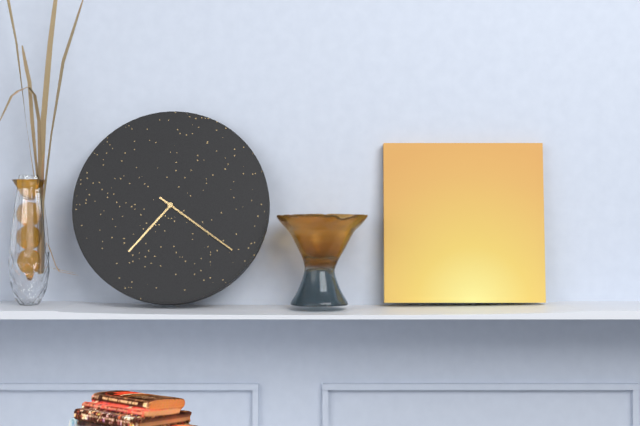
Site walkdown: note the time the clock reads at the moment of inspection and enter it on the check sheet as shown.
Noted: 7:21
